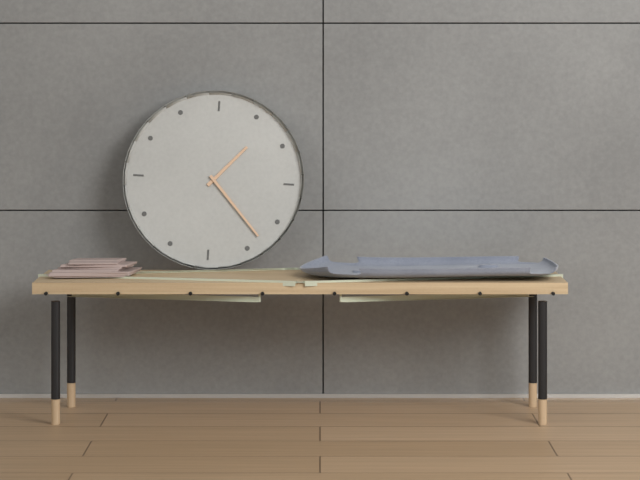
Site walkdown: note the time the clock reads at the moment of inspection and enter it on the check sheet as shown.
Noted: 1:23
